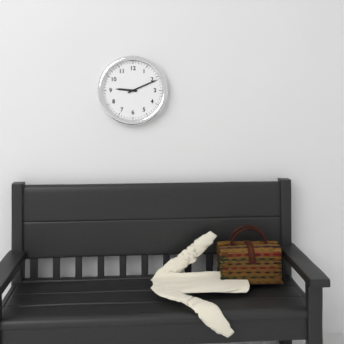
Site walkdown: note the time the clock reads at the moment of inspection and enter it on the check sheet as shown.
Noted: 9:11
